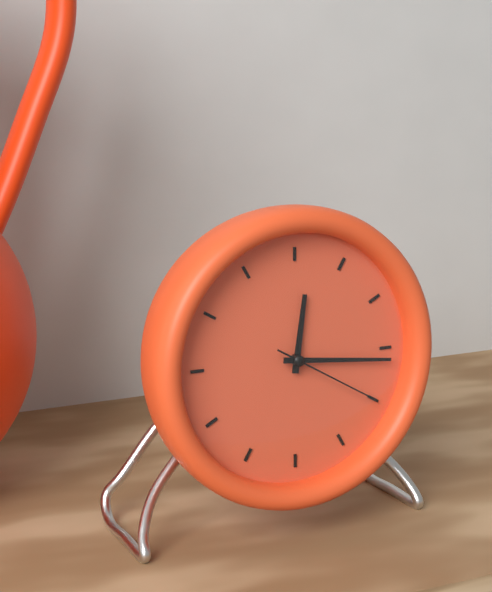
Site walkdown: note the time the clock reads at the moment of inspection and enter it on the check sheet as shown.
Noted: 12:16:20
